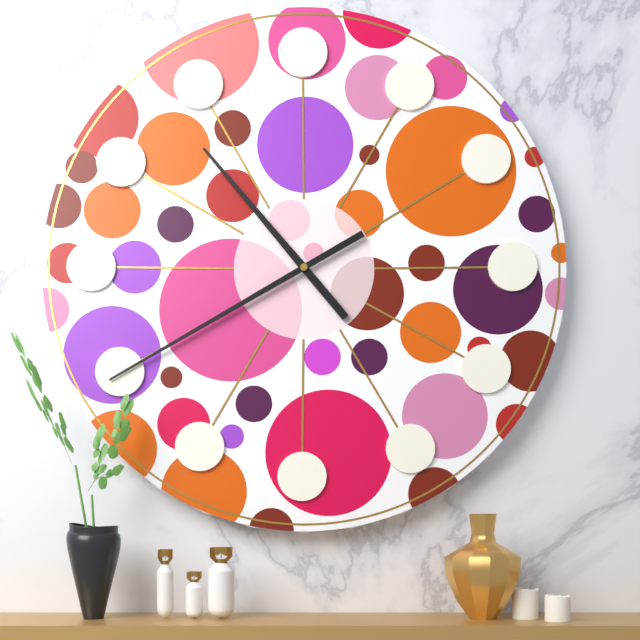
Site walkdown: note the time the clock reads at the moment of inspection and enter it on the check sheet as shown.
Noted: 10:40
